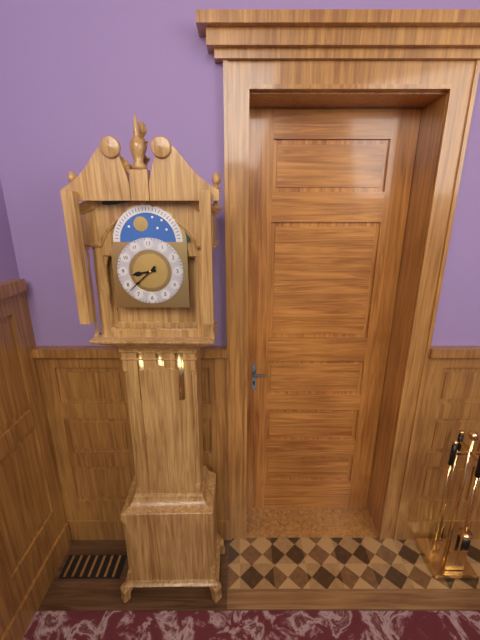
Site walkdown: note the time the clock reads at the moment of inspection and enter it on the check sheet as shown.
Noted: 8:38
